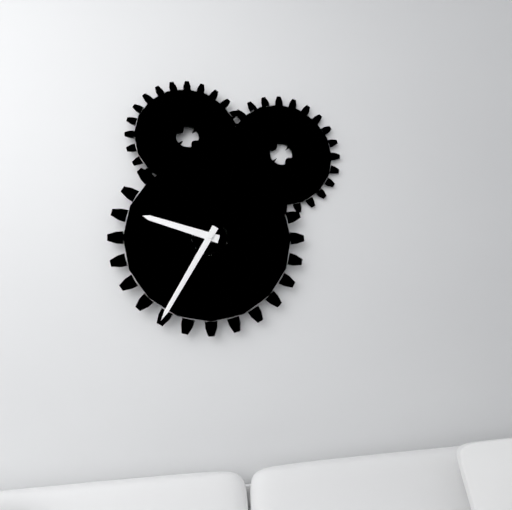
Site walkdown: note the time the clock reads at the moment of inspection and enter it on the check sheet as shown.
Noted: 9:35
